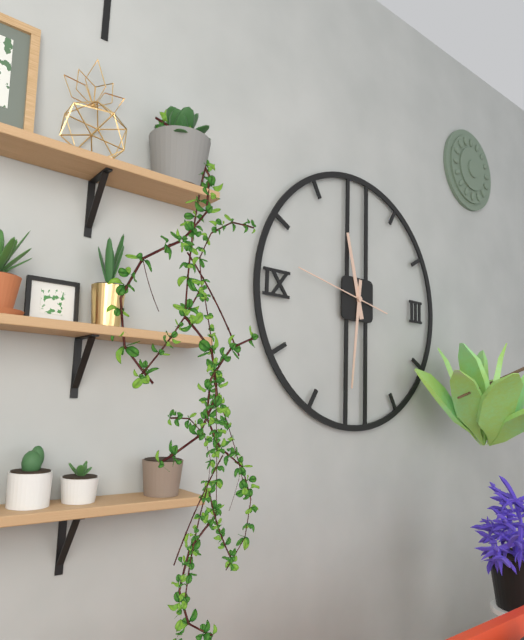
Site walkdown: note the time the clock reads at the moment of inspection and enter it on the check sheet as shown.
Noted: 11:31:47
